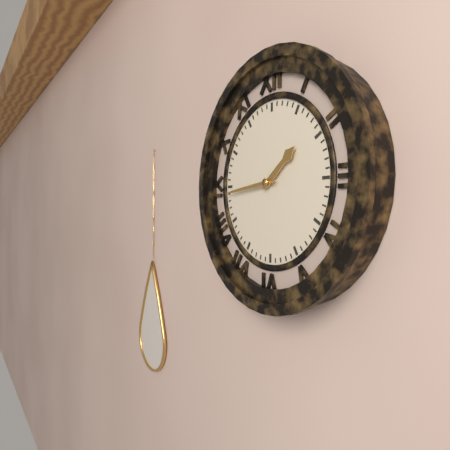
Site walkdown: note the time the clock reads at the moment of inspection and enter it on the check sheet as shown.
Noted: 1:44
